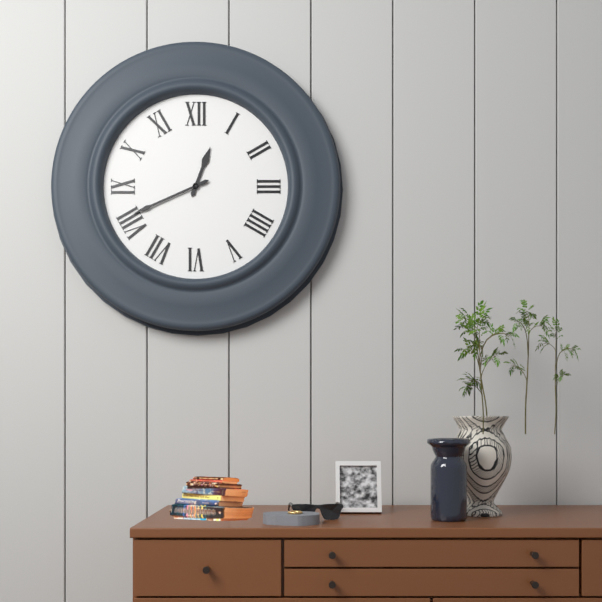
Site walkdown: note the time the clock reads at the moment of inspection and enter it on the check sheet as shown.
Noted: 12:41
